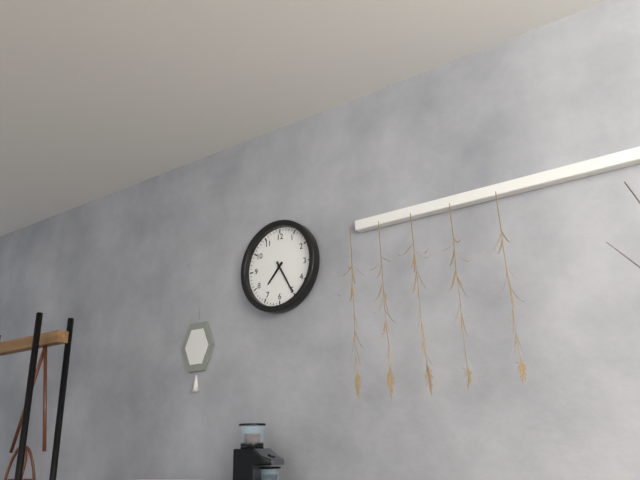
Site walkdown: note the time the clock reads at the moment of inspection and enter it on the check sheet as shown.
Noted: 7:25
